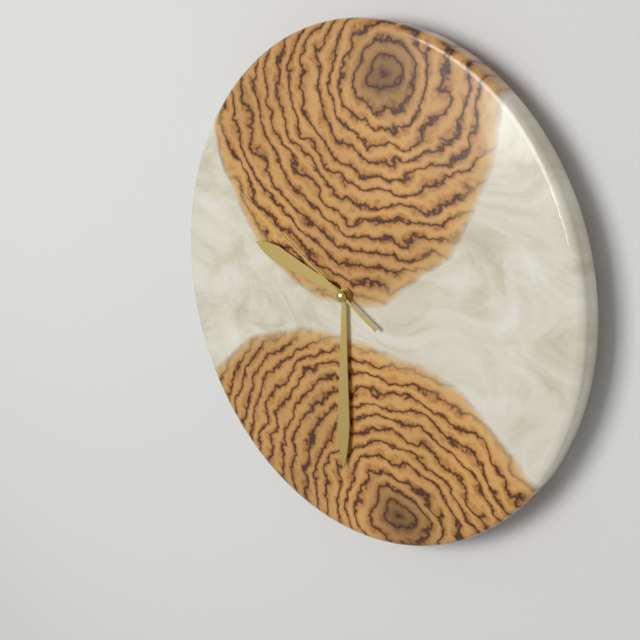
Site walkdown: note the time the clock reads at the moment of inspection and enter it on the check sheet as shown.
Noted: 9:30:50
